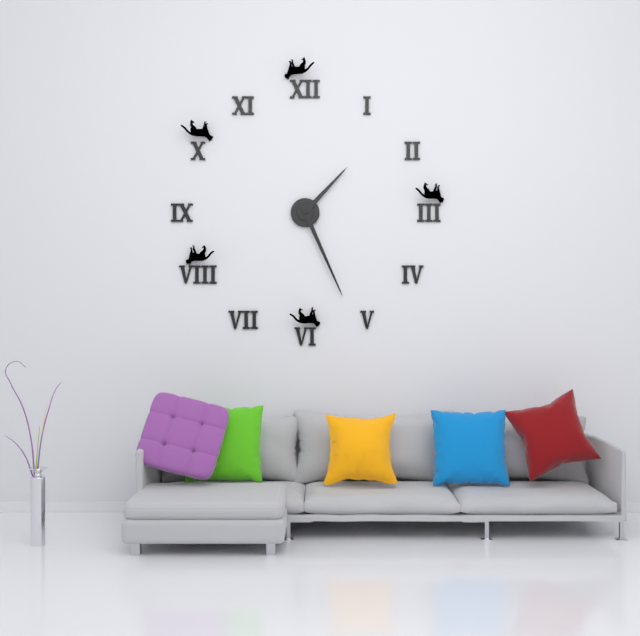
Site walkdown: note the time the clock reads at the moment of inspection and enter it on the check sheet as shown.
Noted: 1:26
